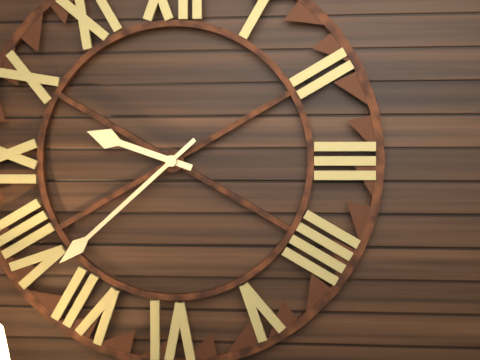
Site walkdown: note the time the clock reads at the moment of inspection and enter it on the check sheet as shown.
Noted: 9:38
